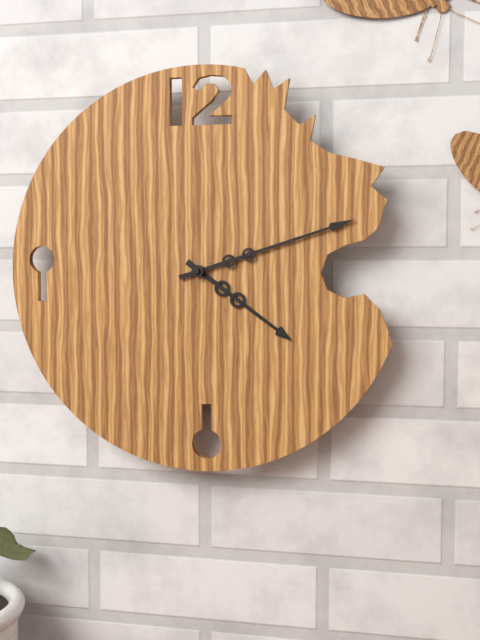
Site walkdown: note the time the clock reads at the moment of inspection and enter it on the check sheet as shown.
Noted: 4:12
